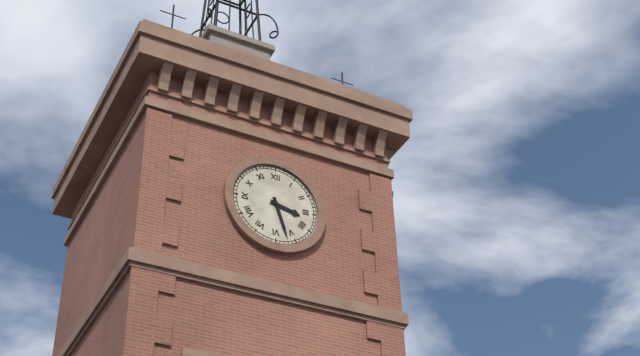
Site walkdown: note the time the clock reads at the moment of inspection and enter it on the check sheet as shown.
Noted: 3:27
